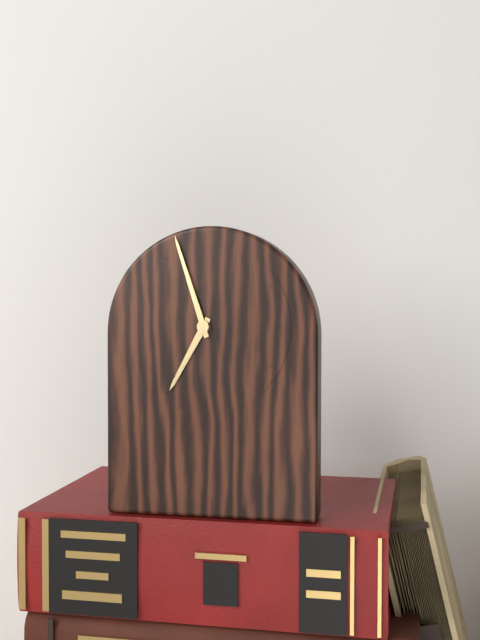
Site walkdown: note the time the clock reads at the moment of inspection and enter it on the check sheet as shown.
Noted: 6:57
